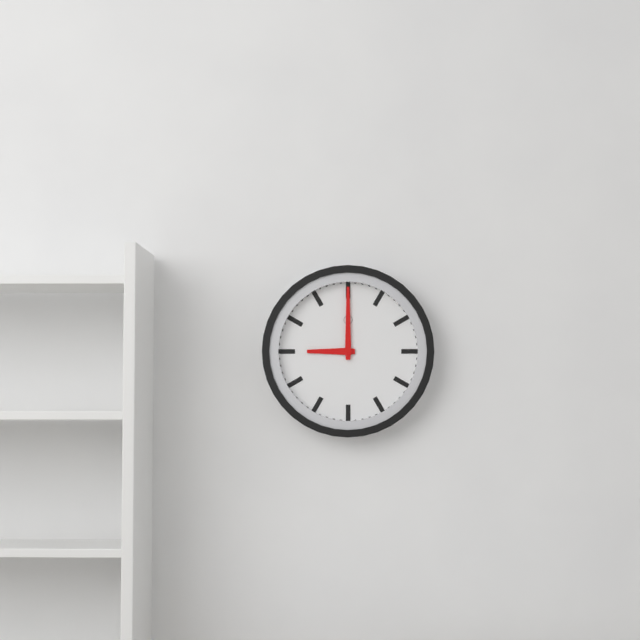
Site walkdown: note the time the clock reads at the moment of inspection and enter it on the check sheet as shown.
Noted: 9:00
